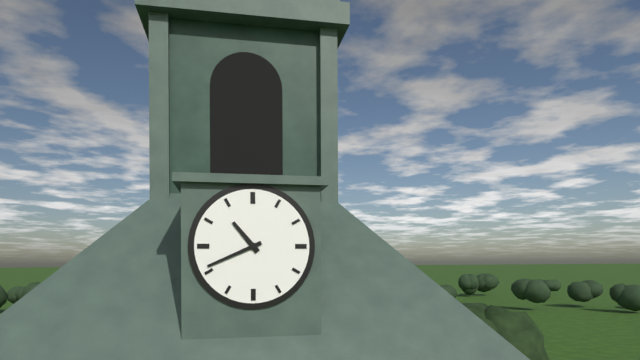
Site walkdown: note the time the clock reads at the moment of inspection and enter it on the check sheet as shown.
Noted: 10:41
